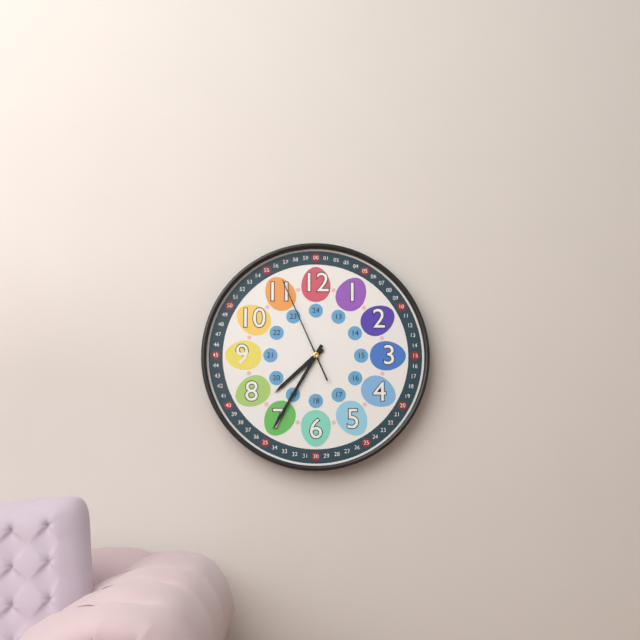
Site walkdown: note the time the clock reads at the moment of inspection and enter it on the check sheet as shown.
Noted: 7:35:56
